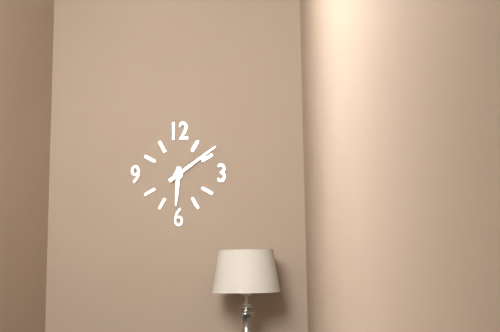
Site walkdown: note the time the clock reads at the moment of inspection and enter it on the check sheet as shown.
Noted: 6:09
